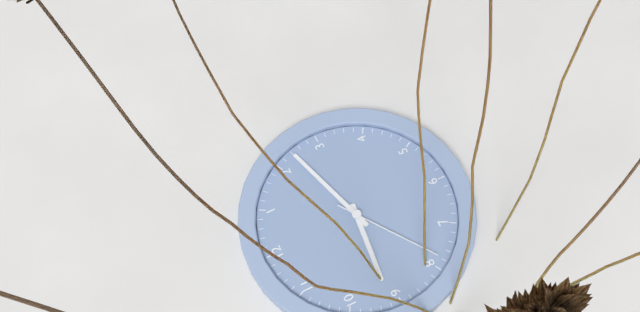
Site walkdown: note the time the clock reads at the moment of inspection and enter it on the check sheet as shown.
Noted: 9:12:39
